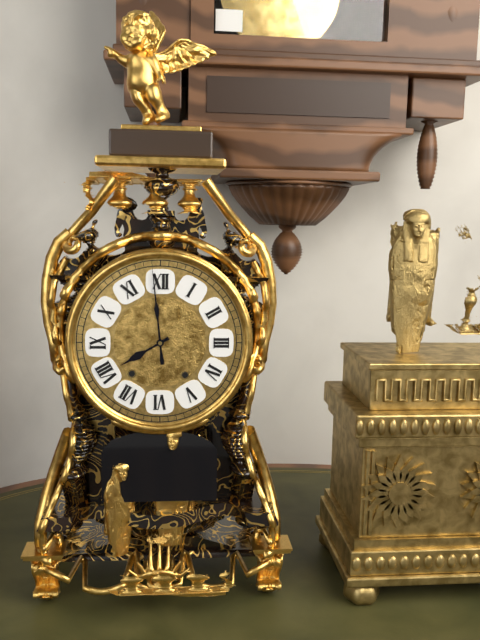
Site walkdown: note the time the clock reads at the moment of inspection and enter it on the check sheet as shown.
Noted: 7:59
